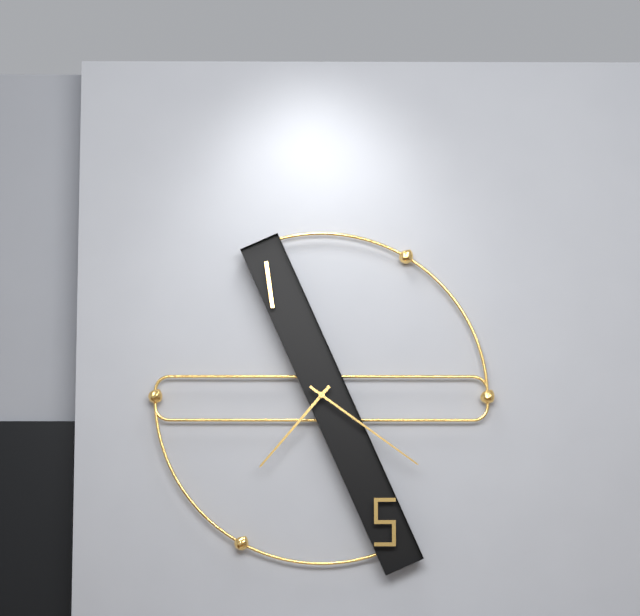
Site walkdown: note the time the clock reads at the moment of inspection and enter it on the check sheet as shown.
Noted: 7:21
